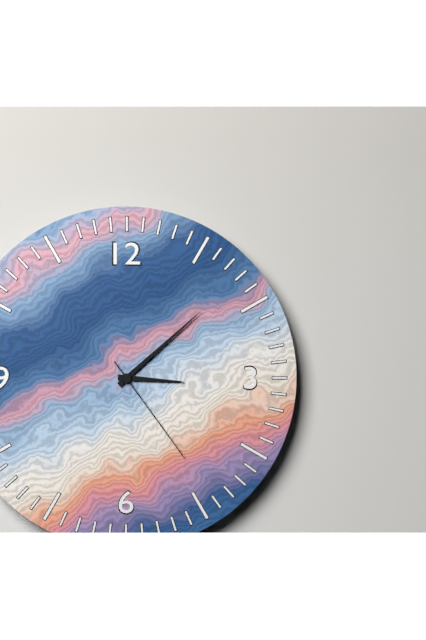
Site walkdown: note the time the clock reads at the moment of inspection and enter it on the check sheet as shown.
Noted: 3:08:24
